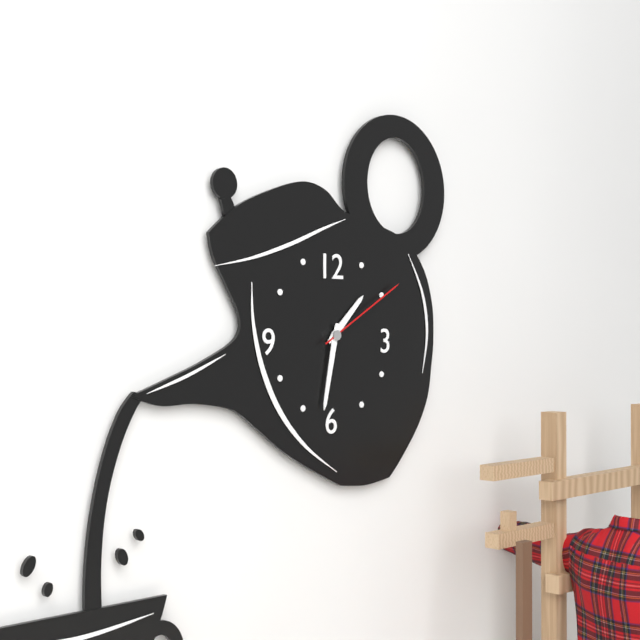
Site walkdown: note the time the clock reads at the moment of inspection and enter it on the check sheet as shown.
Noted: 1:32:10
